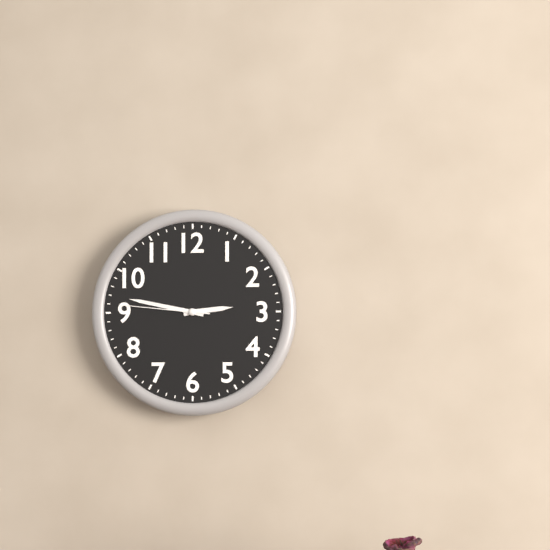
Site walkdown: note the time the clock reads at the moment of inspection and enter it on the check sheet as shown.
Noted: 2:47:46
